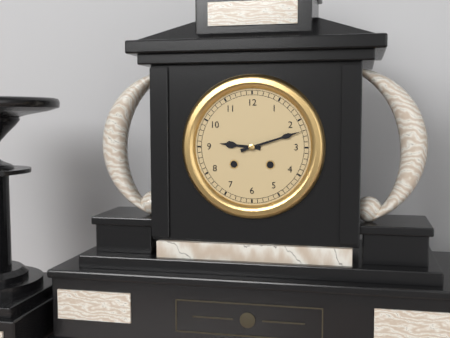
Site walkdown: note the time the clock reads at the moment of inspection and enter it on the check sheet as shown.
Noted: 9:12
